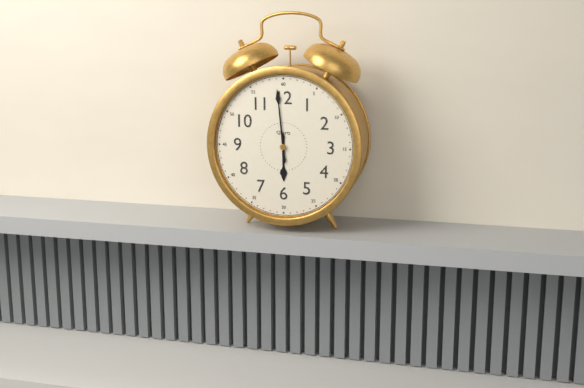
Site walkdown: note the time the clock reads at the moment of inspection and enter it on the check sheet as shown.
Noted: 5:59
